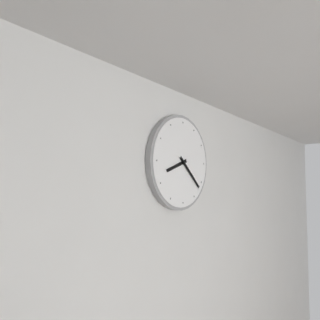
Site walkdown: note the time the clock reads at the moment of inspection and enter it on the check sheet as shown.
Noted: 8:22
